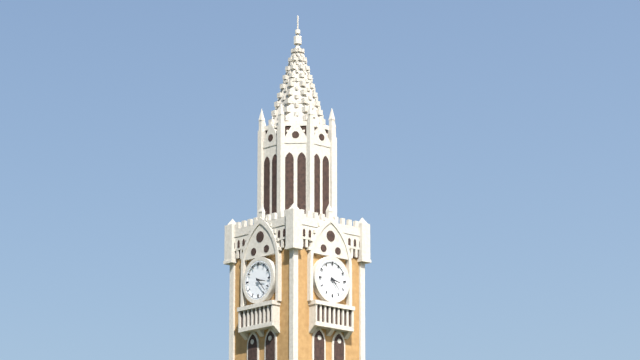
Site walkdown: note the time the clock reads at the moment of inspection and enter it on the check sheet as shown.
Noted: 3:23
